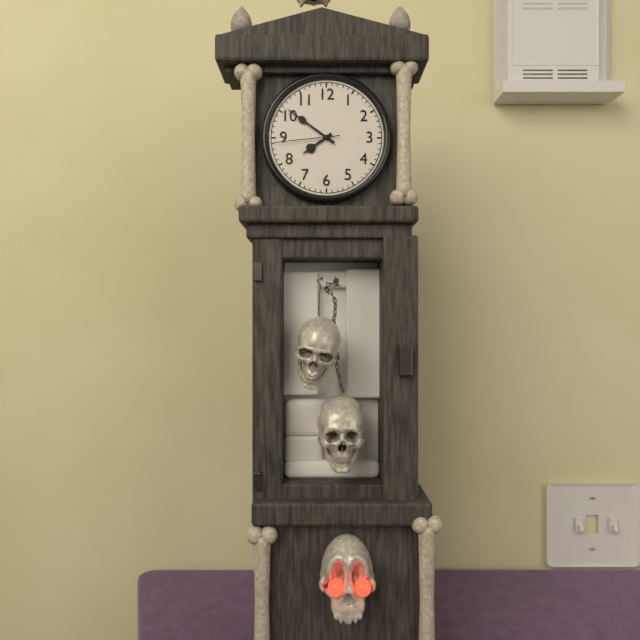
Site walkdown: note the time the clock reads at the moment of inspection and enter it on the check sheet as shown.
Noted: 7:51:44
